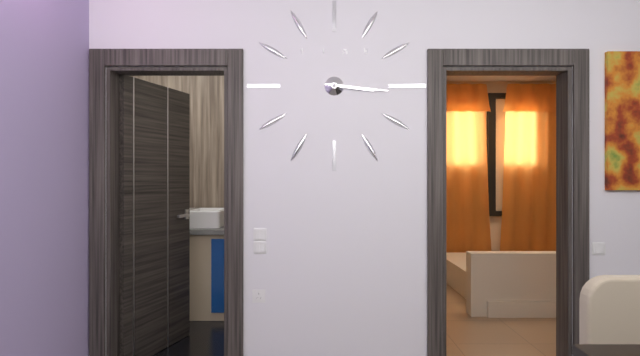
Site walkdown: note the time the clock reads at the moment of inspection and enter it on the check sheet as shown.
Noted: 3:16
